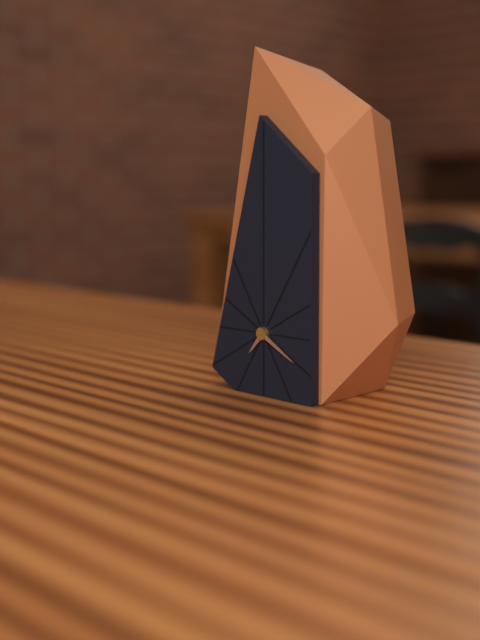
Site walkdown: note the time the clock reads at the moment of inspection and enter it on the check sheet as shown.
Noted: 7:20
